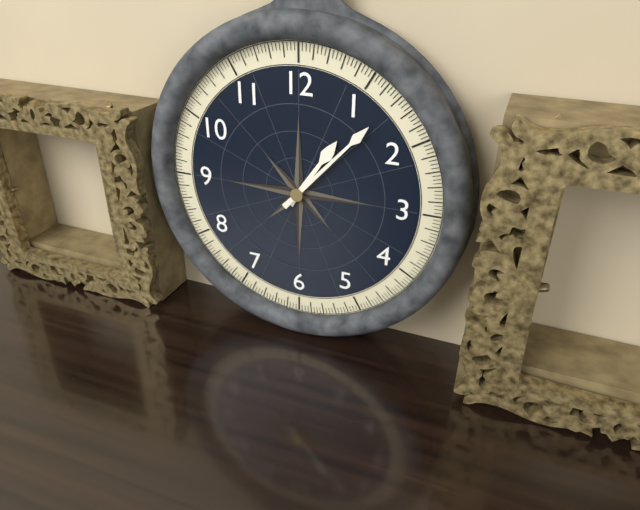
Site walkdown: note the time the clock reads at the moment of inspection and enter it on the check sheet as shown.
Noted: 1:07
